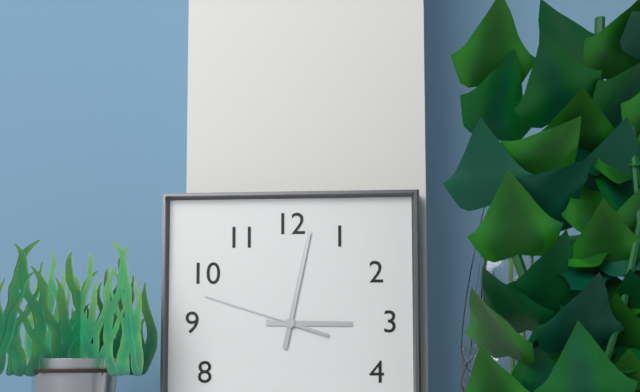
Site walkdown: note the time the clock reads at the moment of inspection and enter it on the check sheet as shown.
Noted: 3:02:48
